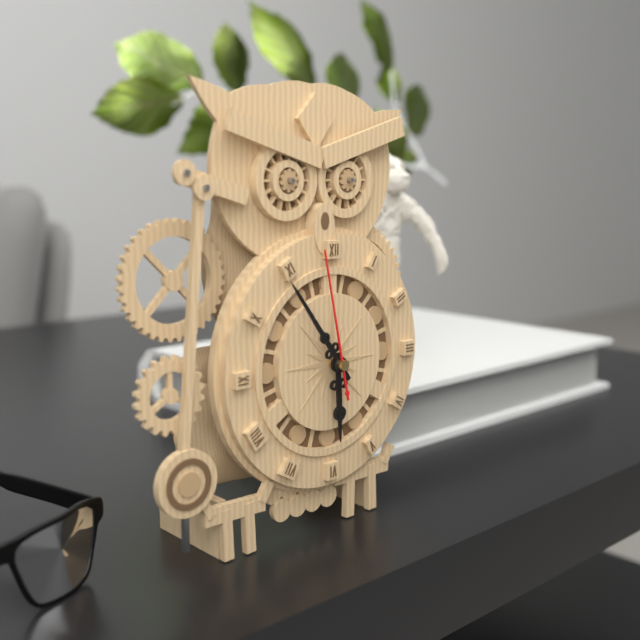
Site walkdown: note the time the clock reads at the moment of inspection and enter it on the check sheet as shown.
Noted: 5:54:58
